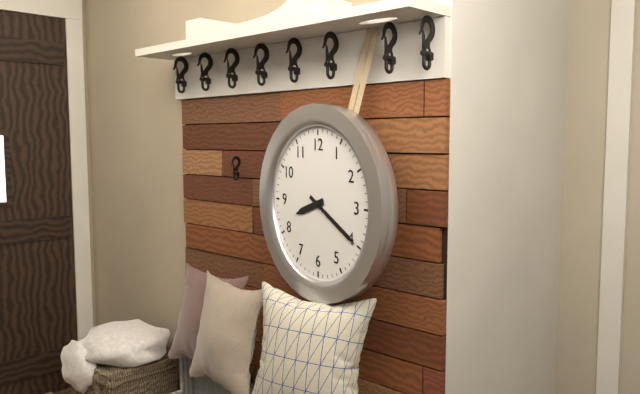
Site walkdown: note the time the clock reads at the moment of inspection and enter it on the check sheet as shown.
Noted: 8:20
